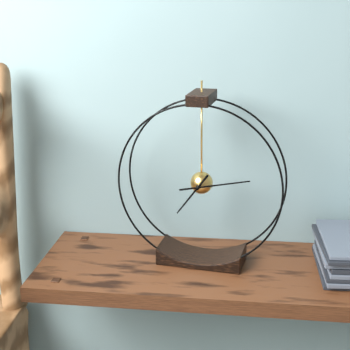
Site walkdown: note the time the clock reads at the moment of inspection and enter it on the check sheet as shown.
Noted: 7:13
